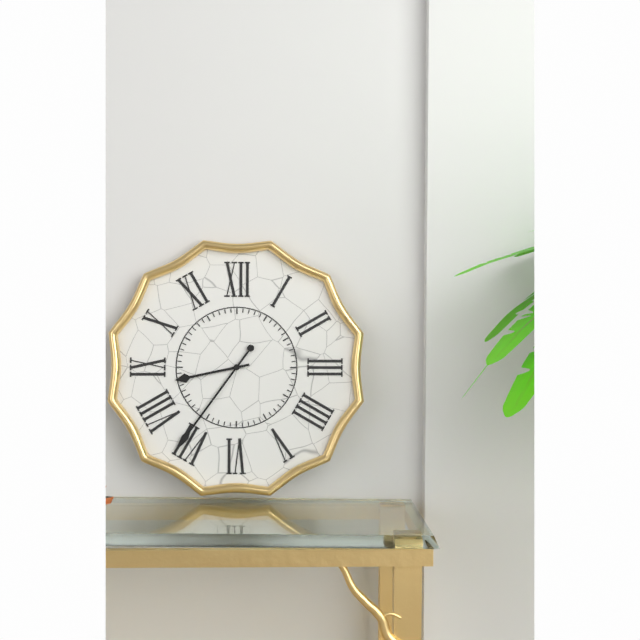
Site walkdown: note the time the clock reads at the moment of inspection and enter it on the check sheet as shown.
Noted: 8:36
